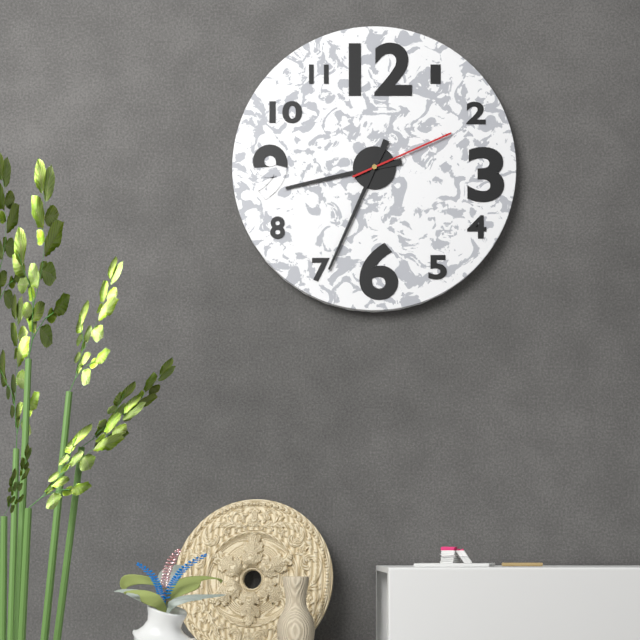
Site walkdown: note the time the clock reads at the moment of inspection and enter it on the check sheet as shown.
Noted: 8:34:11
